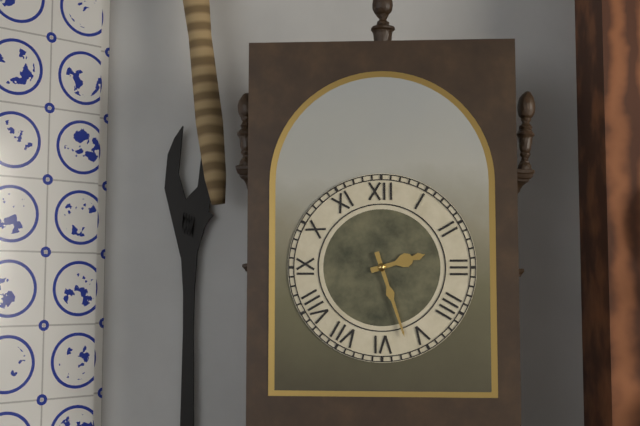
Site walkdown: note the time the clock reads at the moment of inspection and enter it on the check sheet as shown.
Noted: 2:27
